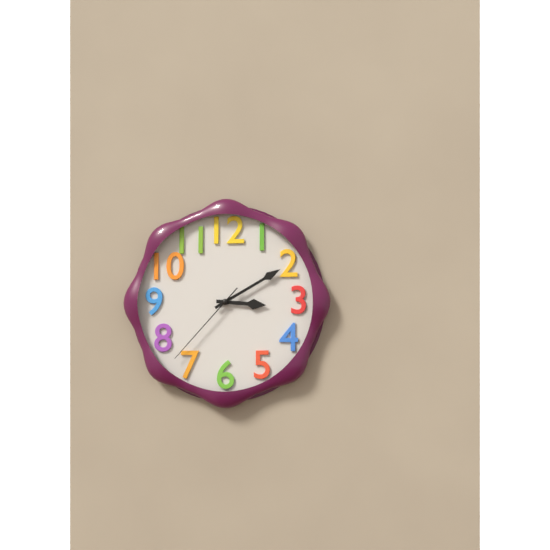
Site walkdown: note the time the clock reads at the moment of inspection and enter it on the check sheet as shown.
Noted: 3:10:37
